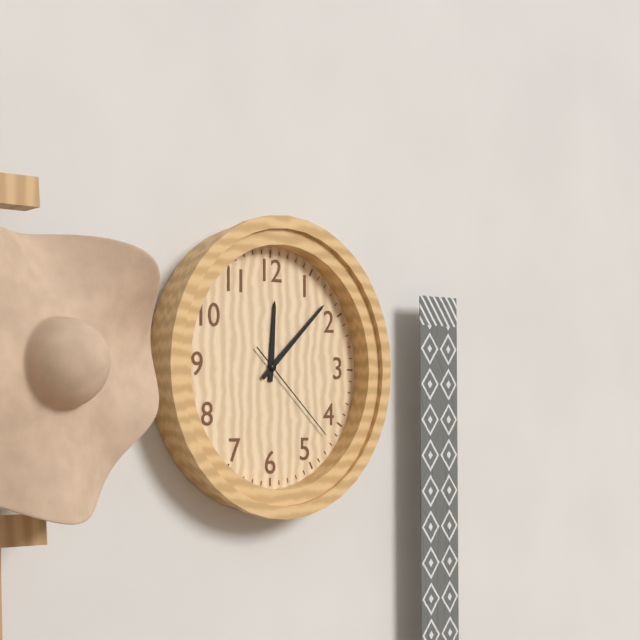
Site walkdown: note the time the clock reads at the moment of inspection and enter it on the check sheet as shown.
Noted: 12:08:22
